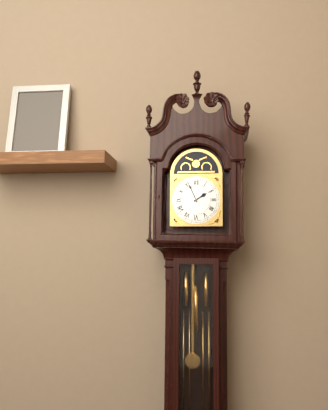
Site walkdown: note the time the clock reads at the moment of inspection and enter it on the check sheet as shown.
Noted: 1:56
